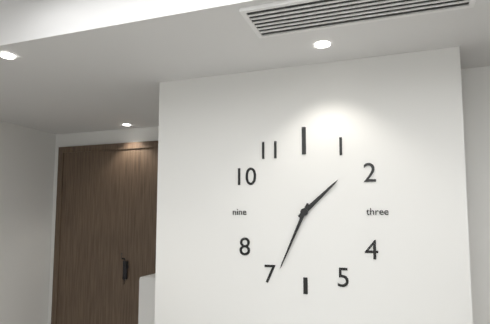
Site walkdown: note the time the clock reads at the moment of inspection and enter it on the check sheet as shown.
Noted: 1:34
